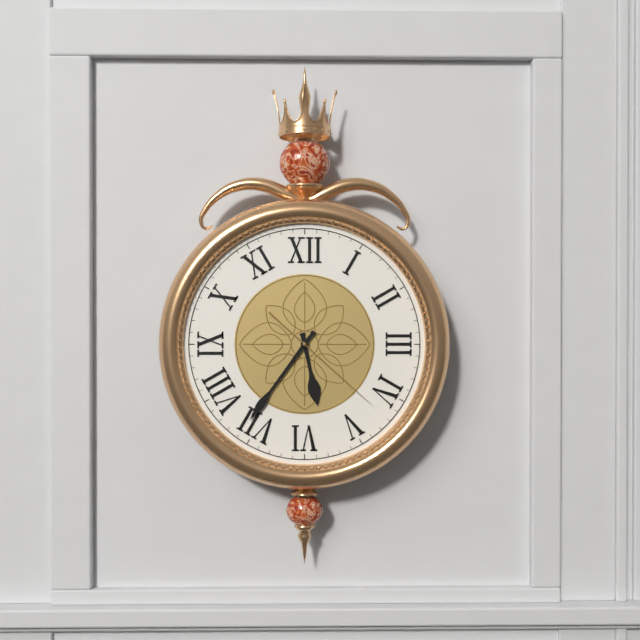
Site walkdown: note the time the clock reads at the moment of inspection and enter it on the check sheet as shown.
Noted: 5:36:22
